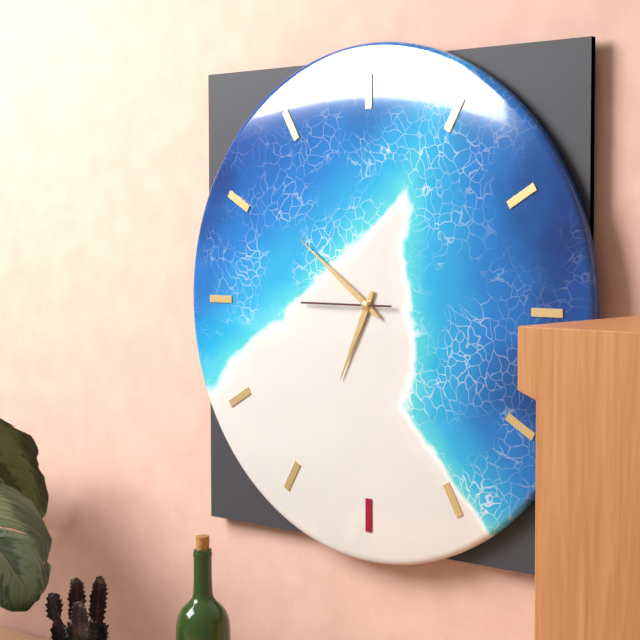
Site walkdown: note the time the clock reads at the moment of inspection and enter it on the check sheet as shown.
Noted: 6:51:45
